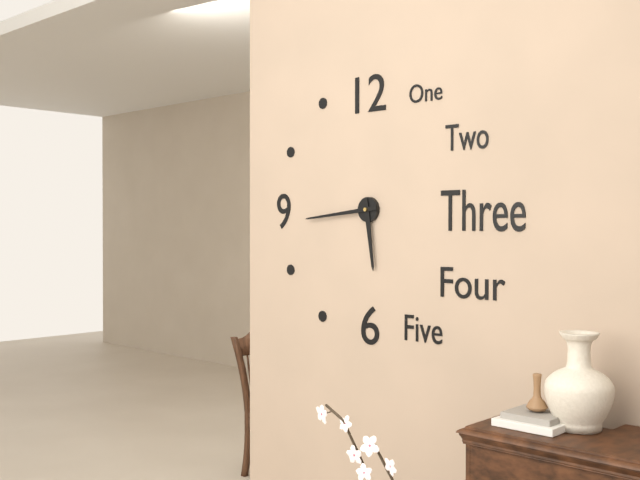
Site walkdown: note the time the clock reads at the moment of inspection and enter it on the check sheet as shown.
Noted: 5:44
